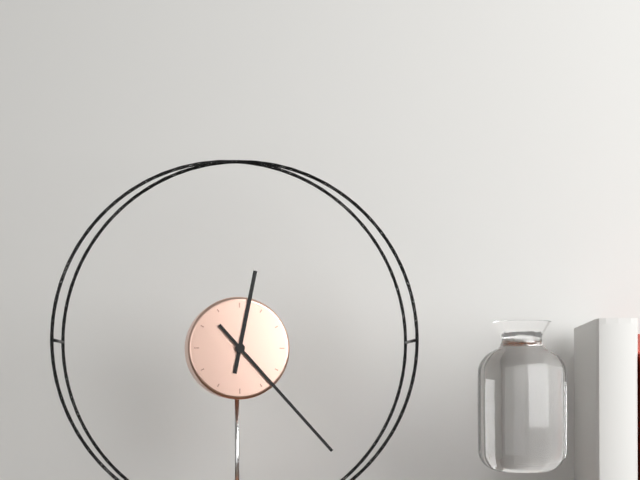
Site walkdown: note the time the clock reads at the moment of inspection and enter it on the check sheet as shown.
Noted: 12:23
